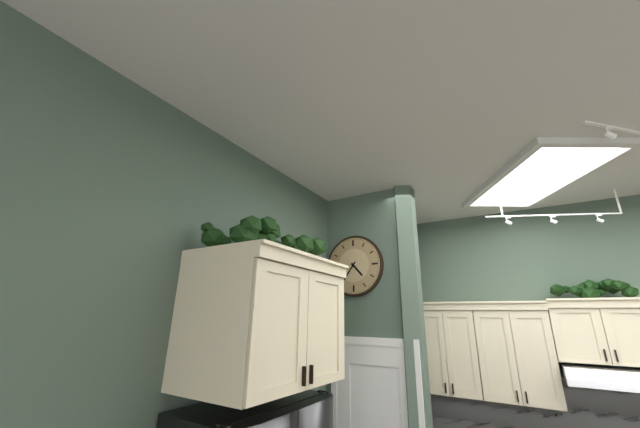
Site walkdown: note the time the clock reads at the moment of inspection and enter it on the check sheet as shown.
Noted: 4:36
